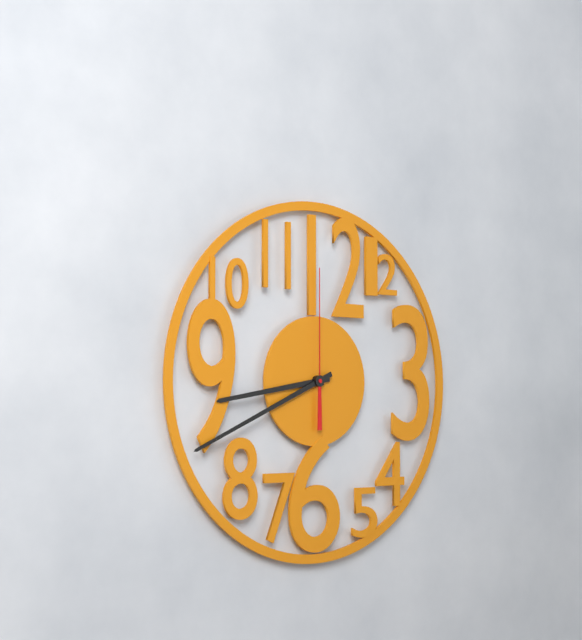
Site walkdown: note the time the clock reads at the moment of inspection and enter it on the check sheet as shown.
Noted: 8:41:00
